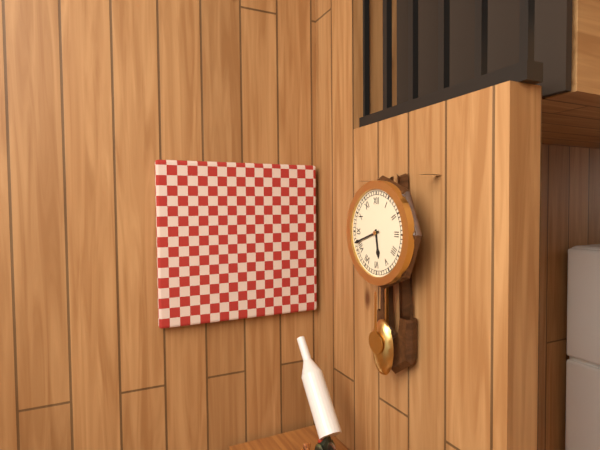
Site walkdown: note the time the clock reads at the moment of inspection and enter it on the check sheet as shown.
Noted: 5:42
